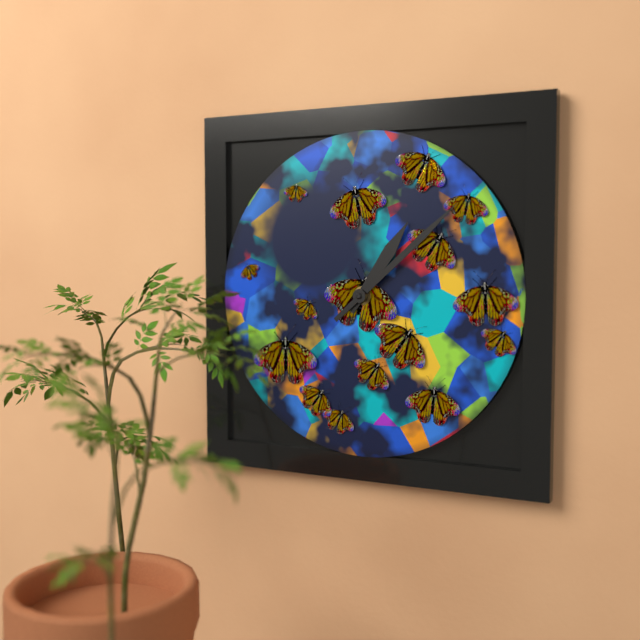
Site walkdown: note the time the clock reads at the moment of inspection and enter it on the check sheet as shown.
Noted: 1:08
